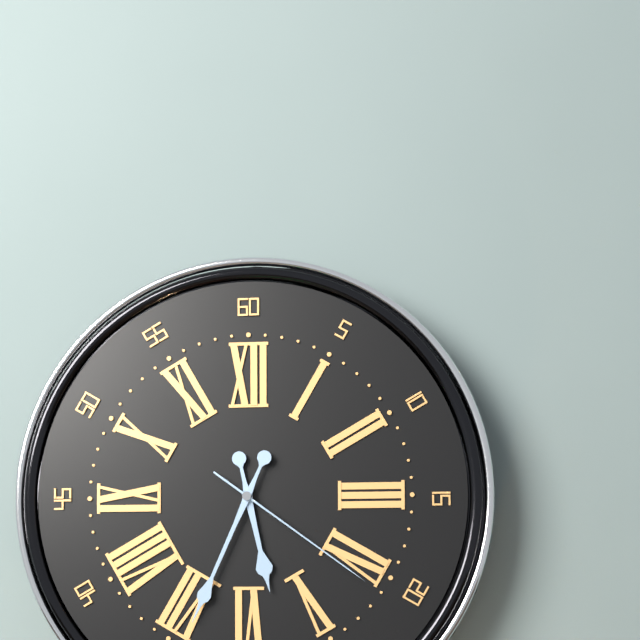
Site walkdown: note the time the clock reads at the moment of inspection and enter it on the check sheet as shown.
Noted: 5:34:21
